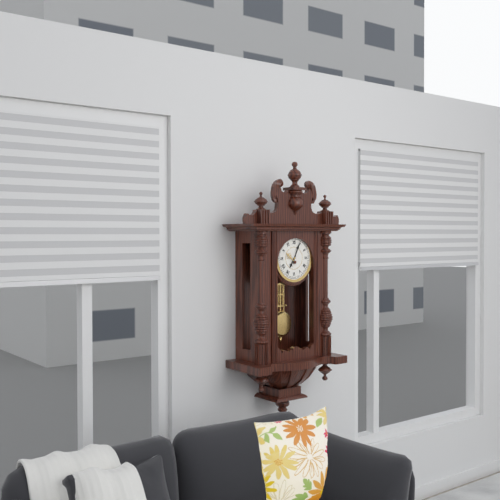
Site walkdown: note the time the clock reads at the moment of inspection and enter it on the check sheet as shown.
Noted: 7:04
